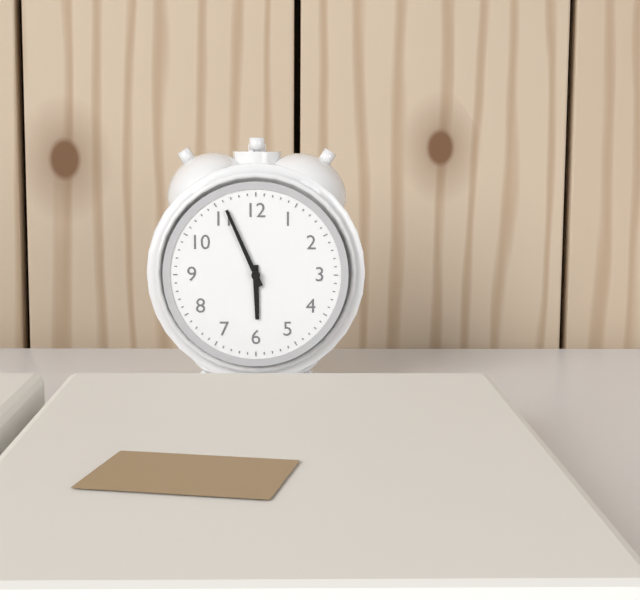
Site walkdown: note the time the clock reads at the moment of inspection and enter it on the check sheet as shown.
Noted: 5:56
